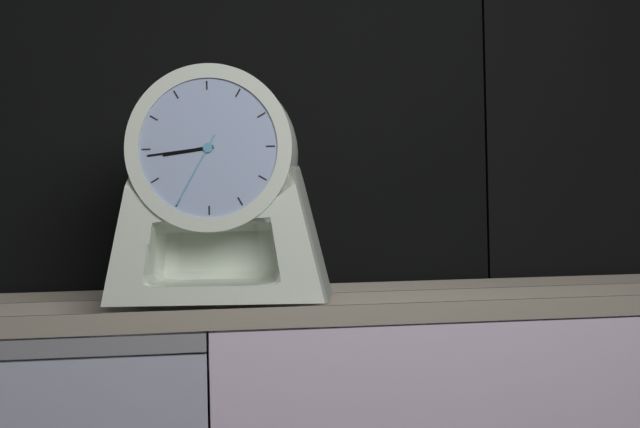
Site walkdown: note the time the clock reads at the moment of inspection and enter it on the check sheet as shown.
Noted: 8:44:35
